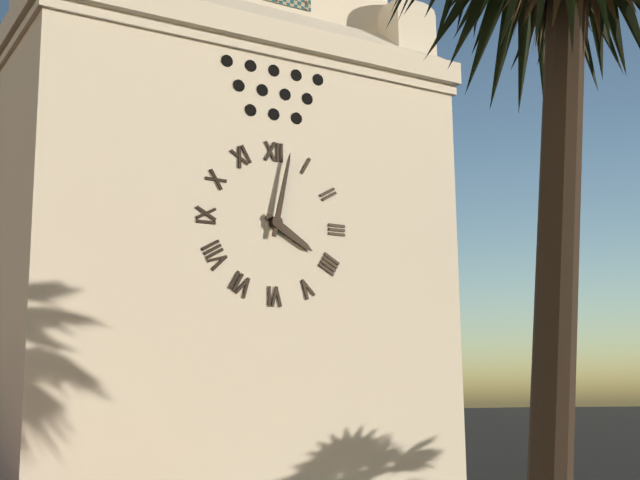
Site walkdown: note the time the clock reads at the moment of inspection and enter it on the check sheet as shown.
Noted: 4:02
